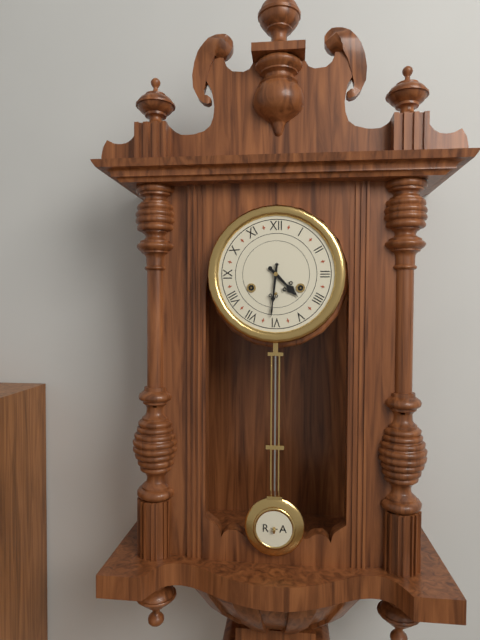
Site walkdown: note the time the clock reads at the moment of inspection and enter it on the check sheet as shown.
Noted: 4:31
